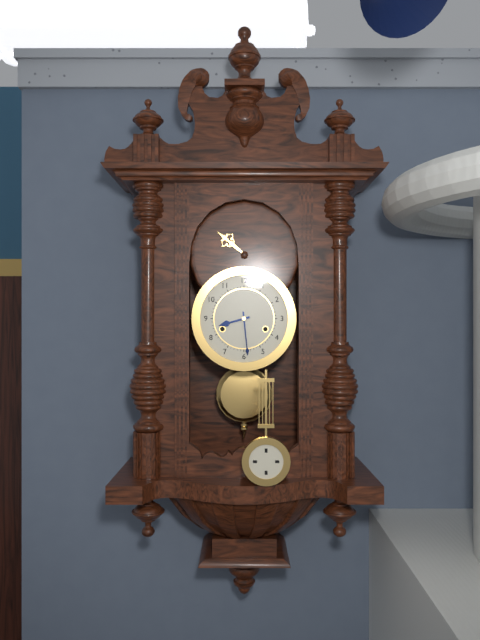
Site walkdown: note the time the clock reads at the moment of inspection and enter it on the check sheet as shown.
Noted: 8:29
